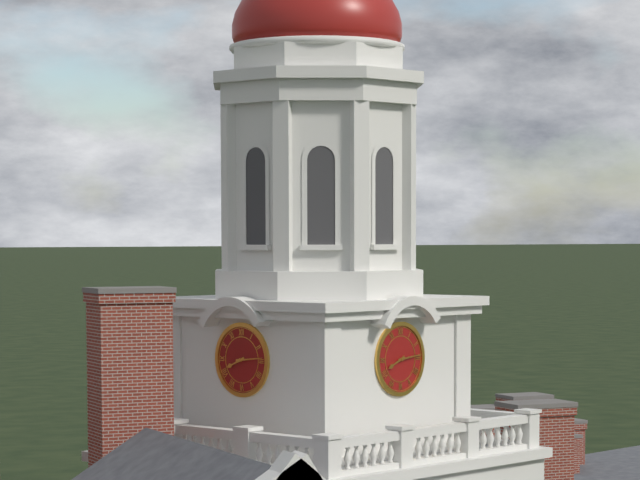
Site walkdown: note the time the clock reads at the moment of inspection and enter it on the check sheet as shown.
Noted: 8:14
